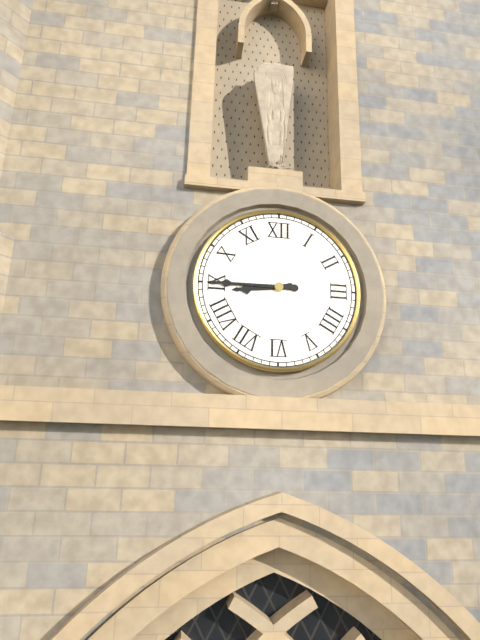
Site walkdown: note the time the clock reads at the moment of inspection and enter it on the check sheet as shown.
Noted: 8:45
